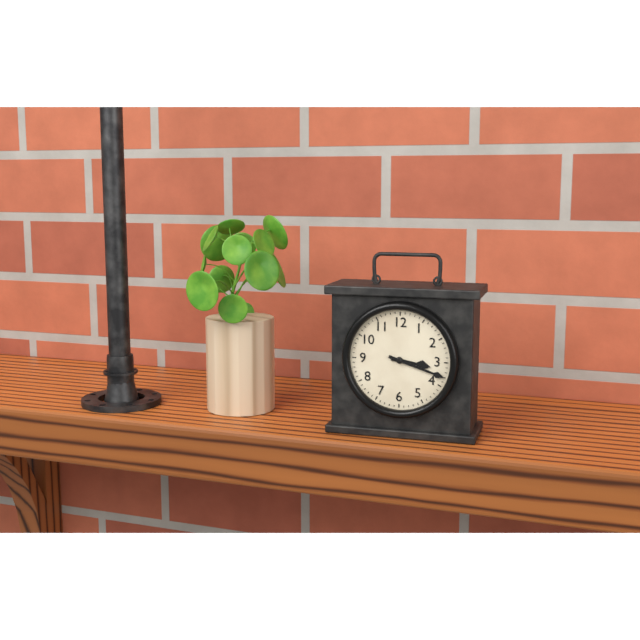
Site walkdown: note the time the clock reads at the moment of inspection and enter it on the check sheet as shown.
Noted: 3:18
